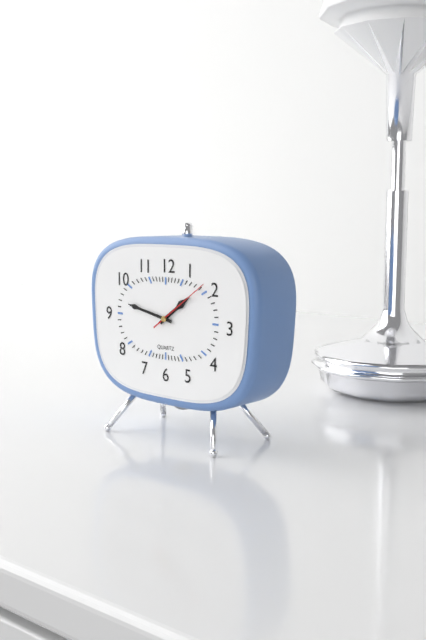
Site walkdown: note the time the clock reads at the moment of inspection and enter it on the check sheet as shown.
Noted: 1:47:09
